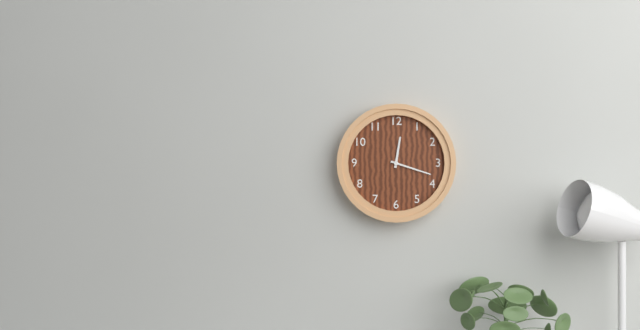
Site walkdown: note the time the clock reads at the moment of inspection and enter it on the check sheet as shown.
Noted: 12:18
